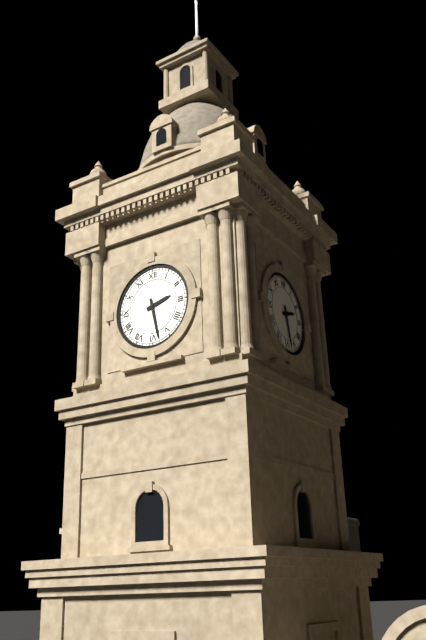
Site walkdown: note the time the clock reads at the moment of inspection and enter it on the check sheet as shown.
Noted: 2:28
